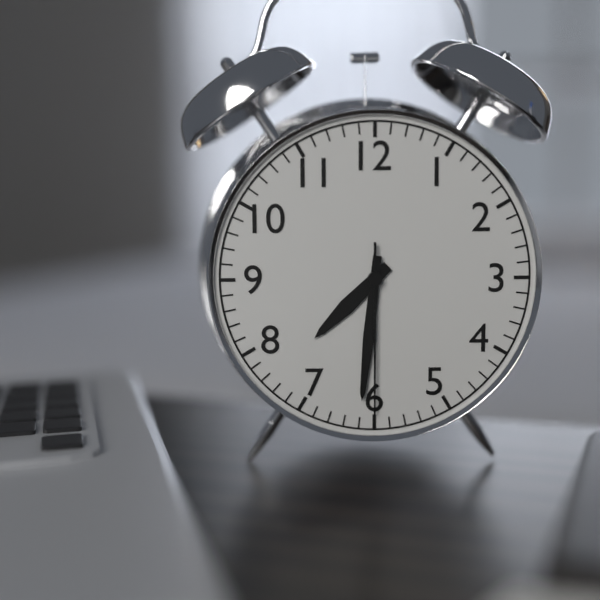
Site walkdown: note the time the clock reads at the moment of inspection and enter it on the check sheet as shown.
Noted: 7:31:30
